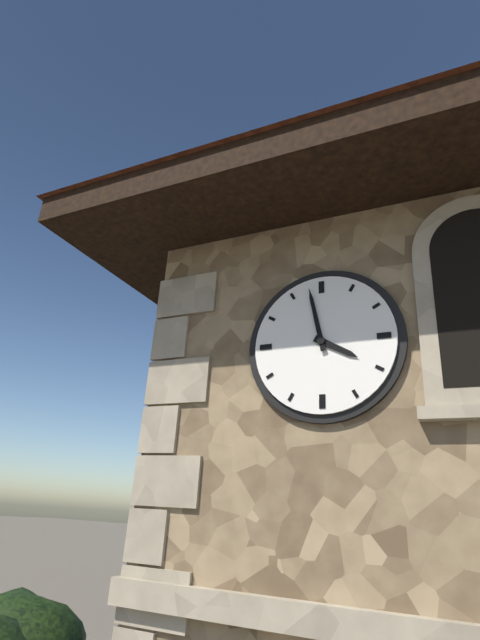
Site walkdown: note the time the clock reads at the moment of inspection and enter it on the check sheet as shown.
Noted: 3:58
